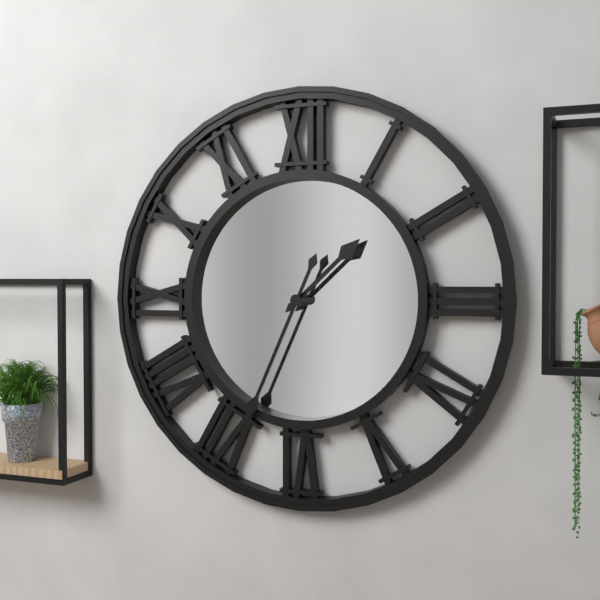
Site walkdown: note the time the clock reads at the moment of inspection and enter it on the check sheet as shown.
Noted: 1:34
